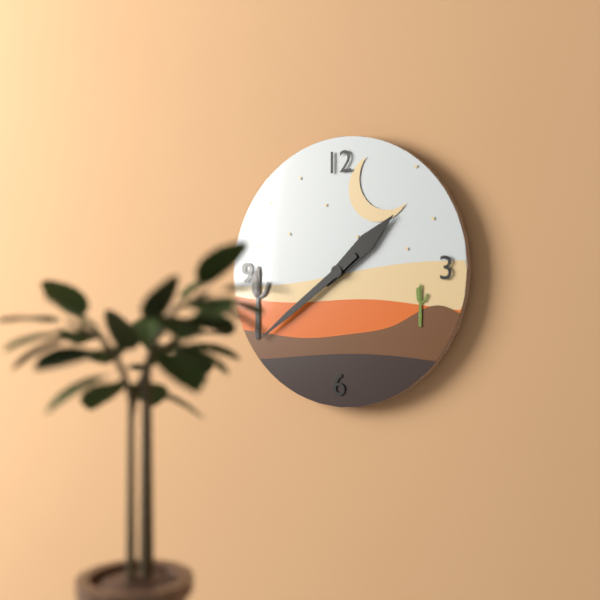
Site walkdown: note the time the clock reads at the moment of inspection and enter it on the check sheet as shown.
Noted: 1:39
